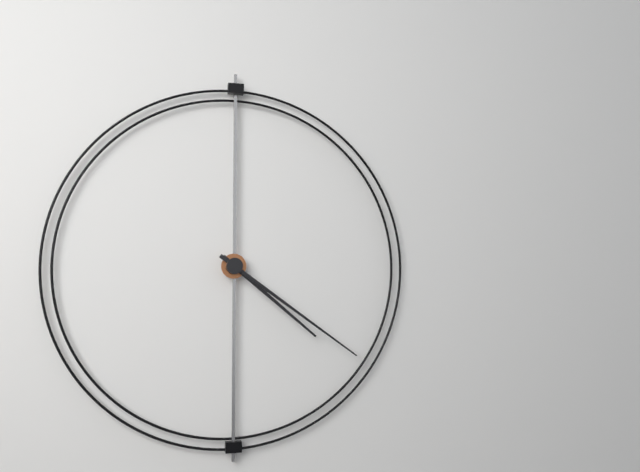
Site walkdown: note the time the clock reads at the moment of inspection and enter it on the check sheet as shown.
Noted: 4:21
